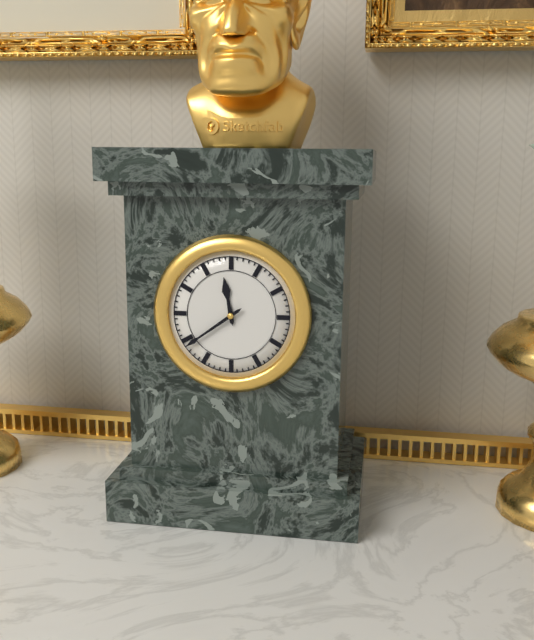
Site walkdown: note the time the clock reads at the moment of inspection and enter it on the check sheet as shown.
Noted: 11:39
